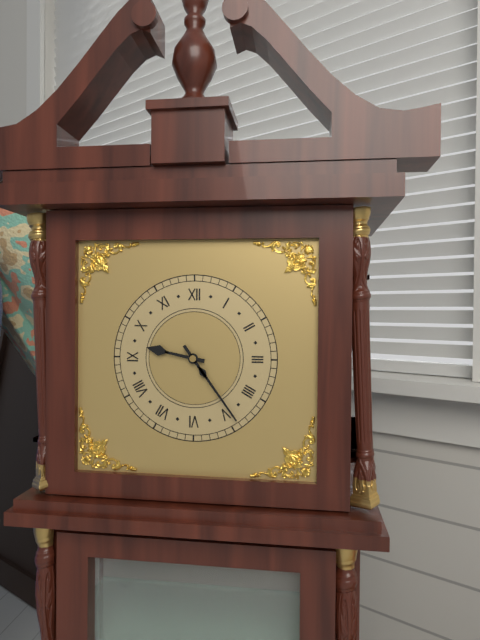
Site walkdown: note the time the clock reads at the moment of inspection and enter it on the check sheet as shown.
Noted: 9:24
